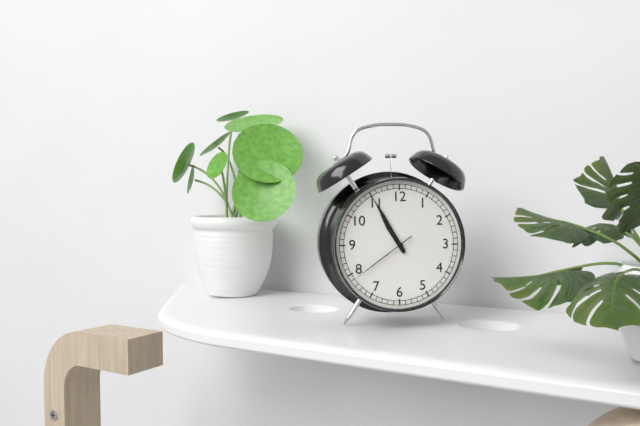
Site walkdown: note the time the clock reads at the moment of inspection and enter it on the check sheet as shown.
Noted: 10:55:39
